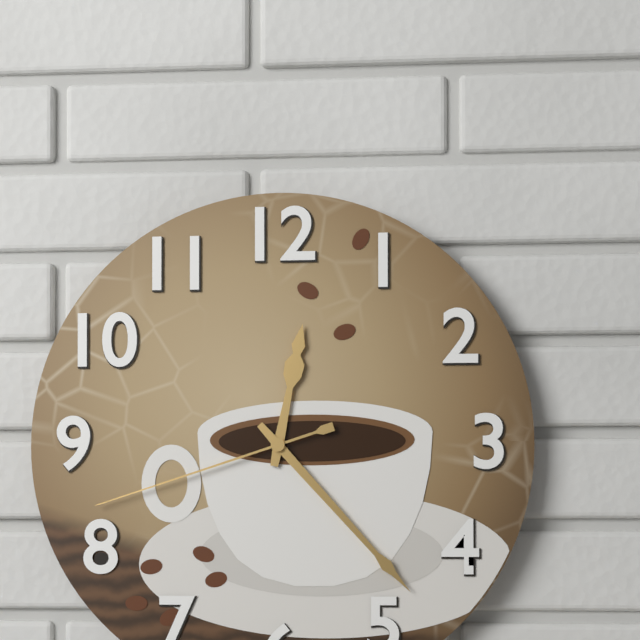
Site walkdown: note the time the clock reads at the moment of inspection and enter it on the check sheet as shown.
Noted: 12:23:42
